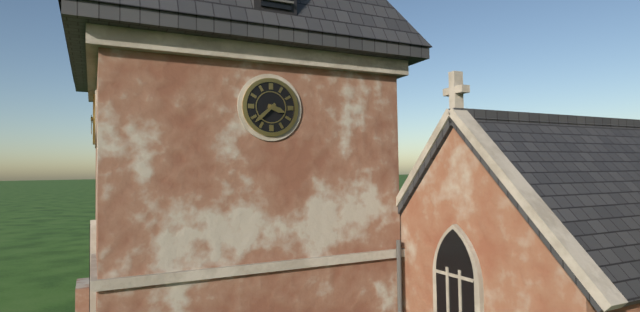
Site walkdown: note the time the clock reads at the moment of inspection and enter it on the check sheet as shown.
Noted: 3:38
